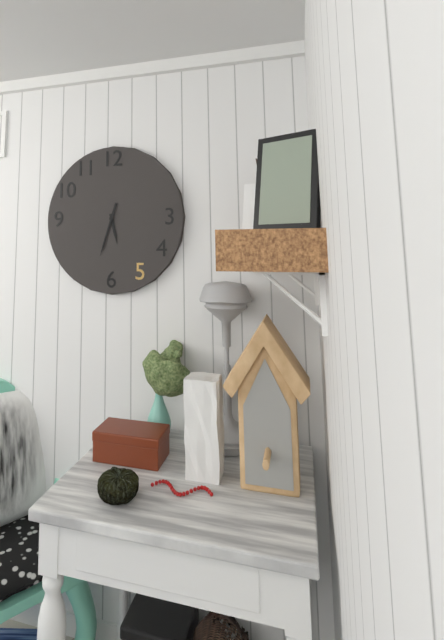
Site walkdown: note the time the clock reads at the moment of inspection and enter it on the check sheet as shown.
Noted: 5:33
